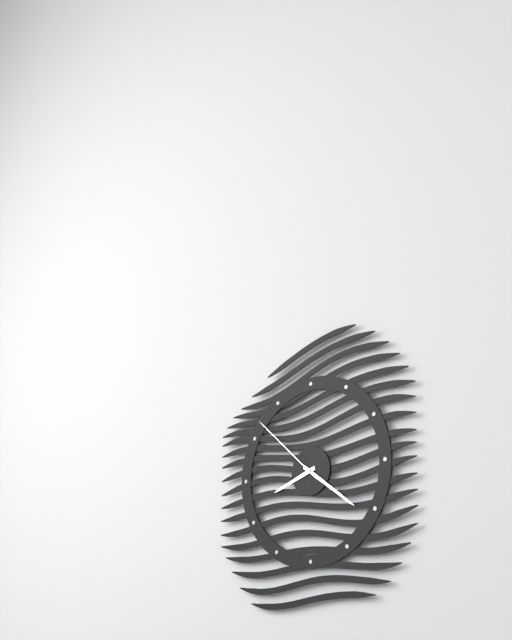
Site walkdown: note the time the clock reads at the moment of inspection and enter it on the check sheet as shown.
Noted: 8:21:52
